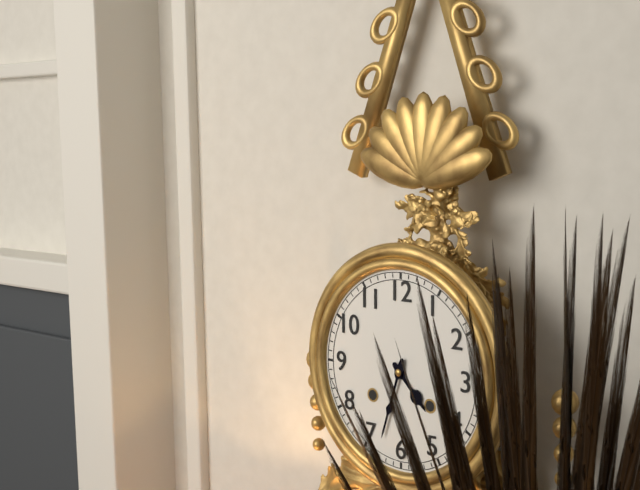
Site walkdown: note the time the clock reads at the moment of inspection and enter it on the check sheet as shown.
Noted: 4:33
